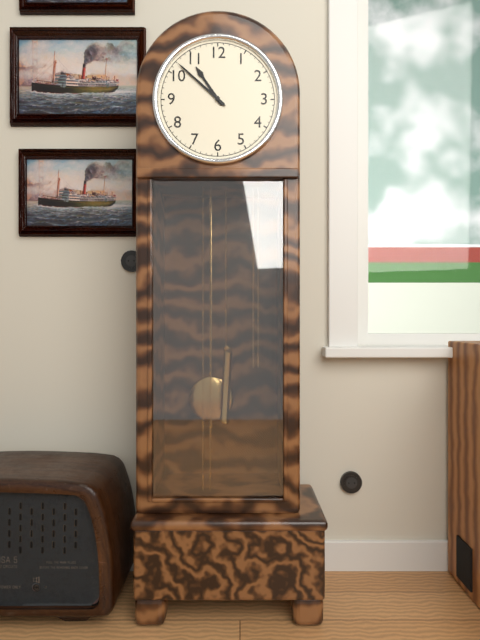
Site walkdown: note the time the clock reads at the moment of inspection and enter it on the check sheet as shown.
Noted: 10:52
